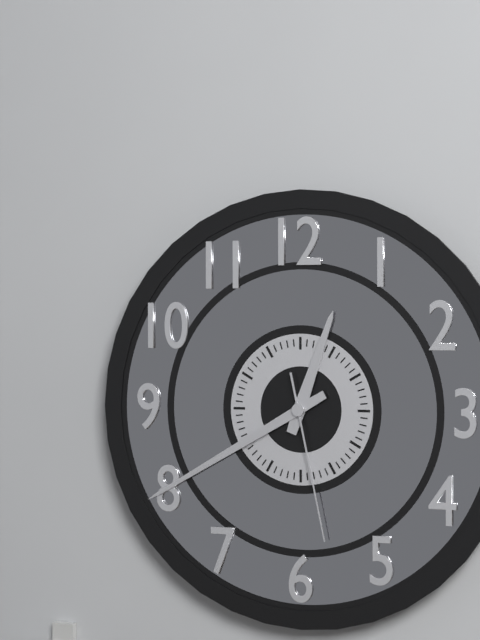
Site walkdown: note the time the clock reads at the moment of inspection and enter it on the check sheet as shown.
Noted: 12:40:28
